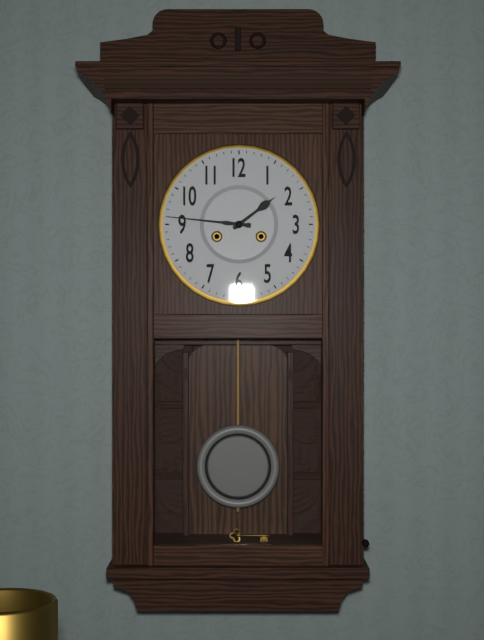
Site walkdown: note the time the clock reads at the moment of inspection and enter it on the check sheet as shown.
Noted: 1:46
